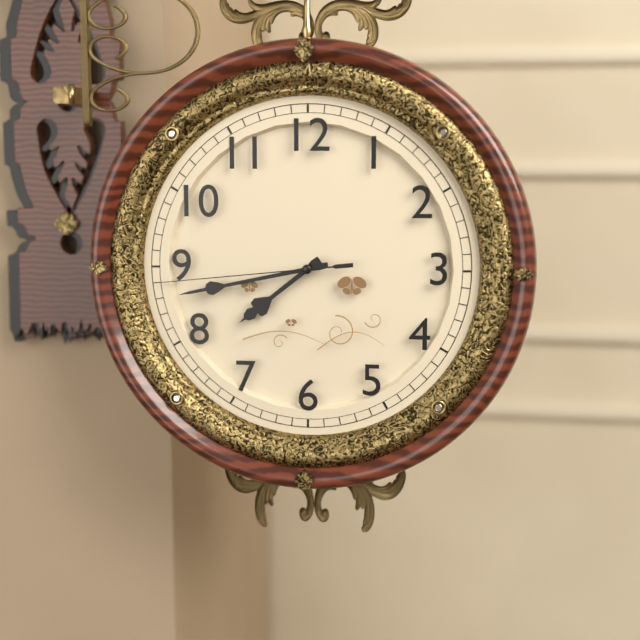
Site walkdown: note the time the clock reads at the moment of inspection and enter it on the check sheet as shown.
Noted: 7:43:44
